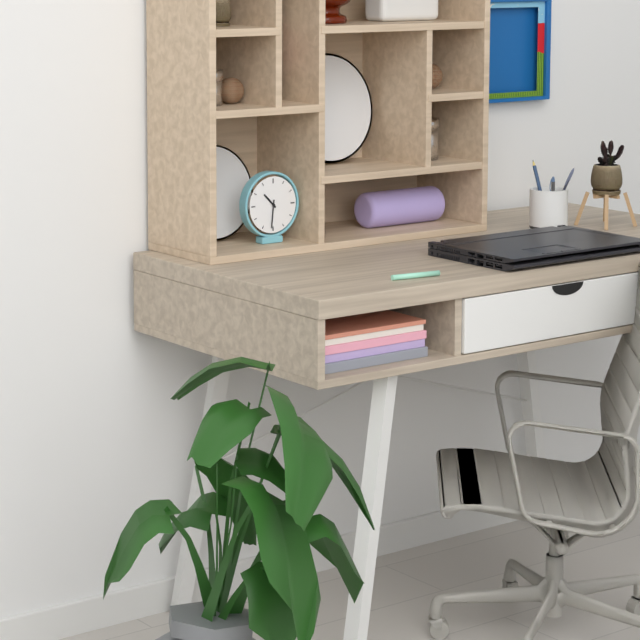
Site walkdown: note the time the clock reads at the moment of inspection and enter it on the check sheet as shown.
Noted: 10:31
